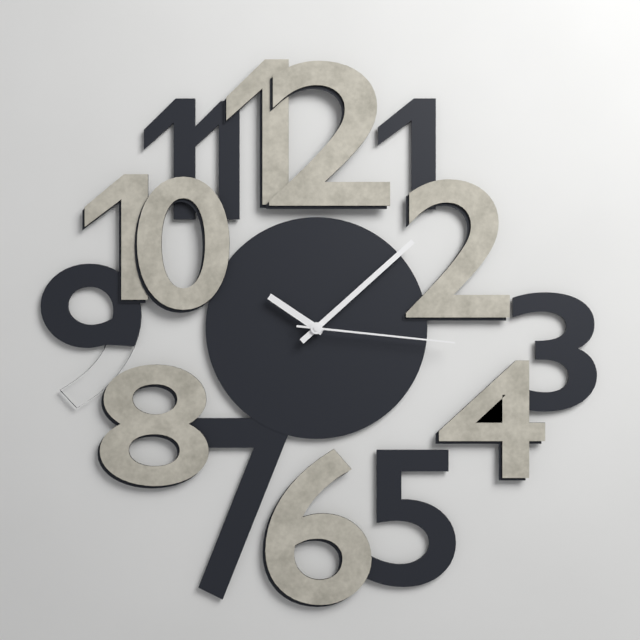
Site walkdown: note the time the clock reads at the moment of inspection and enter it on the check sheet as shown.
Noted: 10:08:16
